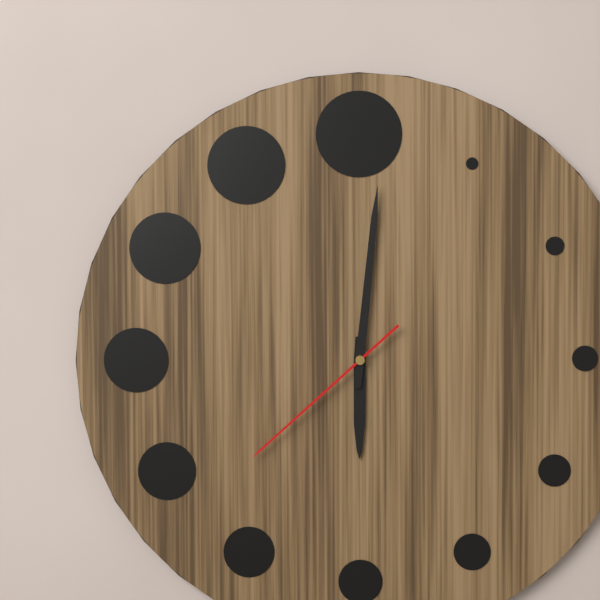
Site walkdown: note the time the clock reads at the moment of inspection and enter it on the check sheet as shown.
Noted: 6:01:38
